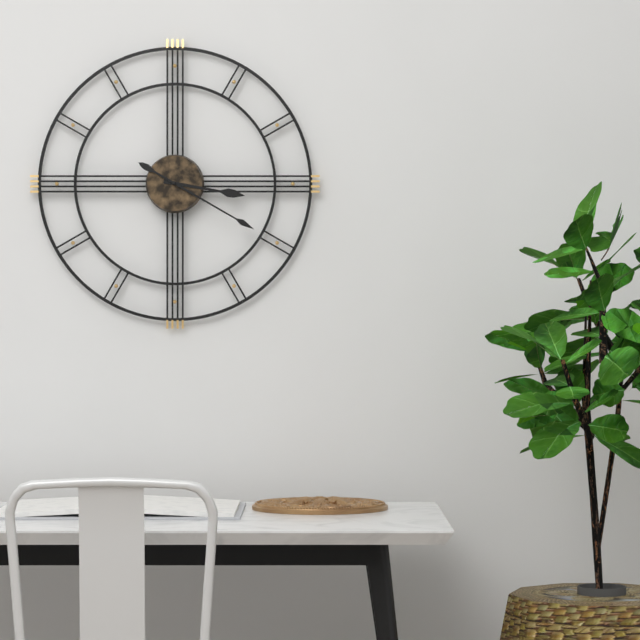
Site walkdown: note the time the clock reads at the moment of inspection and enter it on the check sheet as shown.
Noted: 3:20
